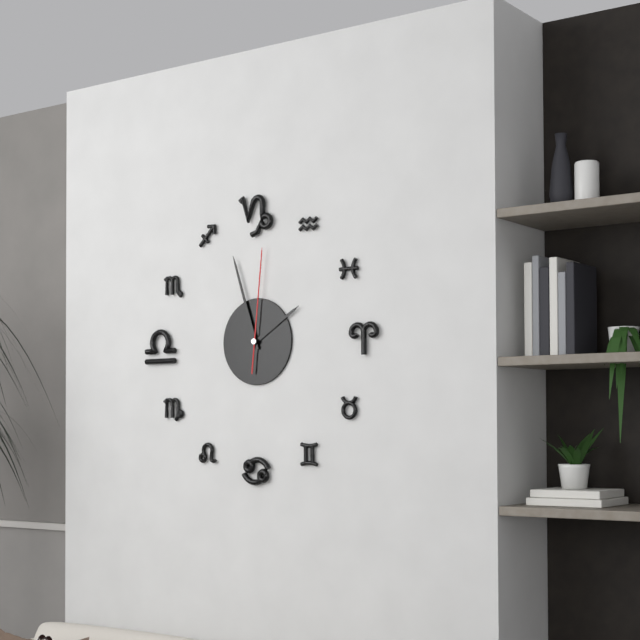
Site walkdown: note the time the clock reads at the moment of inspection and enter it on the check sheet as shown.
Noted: 1:57:01
